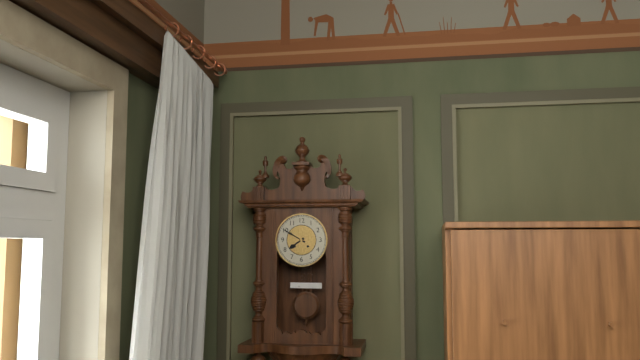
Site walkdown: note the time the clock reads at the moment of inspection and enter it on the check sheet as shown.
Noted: 7:50
